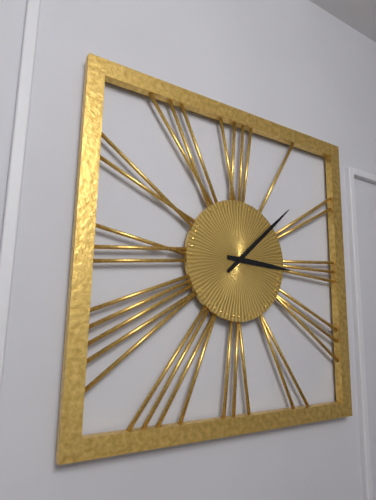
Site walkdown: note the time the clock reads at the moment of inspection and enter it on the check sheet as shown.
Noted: 3:08
